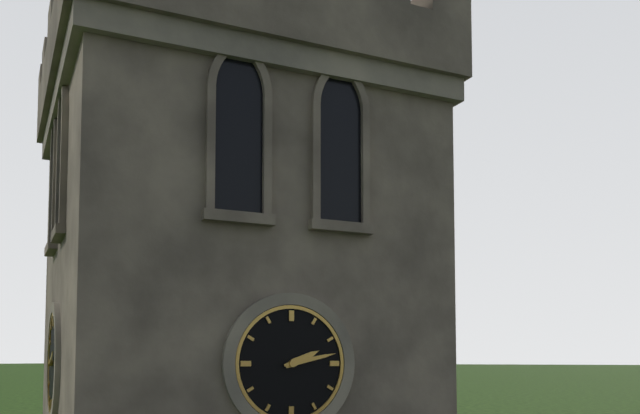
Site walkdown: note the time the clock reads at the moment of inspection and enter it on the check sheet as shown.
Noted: 2:13
